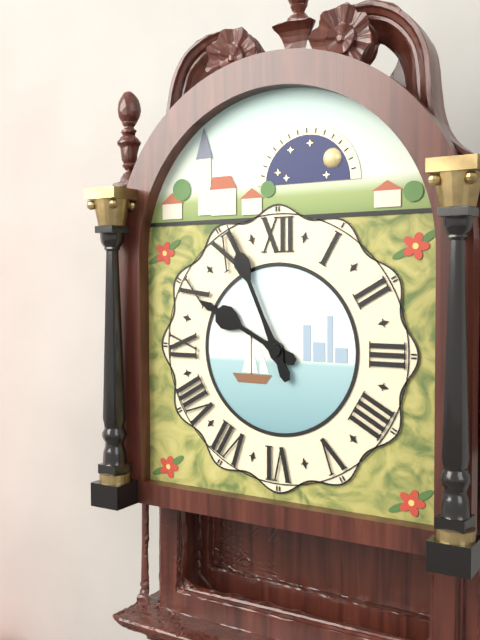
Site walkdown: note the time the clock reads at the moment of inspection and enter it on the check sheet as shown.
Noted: 9:56
